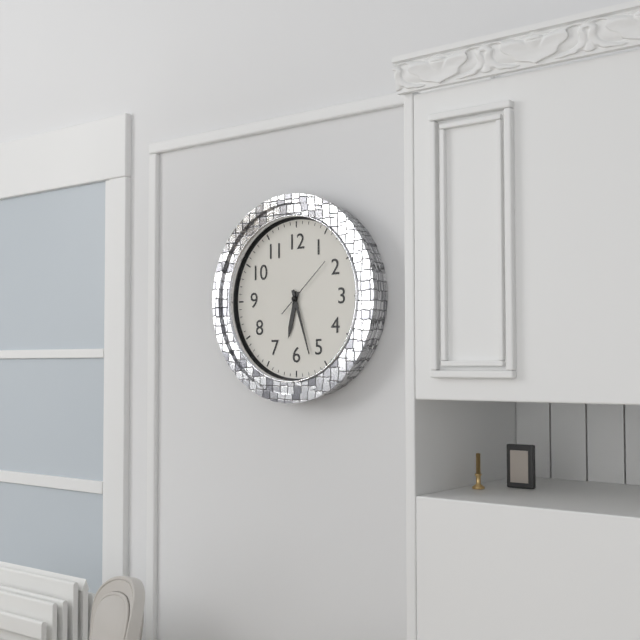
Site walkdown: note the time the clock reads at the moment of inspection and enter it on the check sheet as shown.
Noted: 6:27:08
